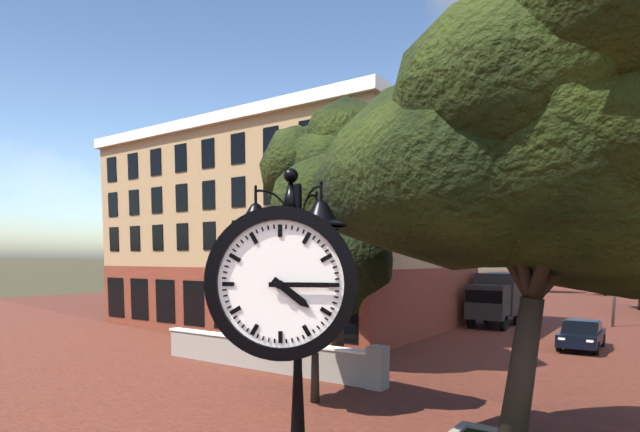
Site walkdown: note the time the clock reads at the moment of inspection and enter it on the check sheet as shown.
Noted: 4:15
